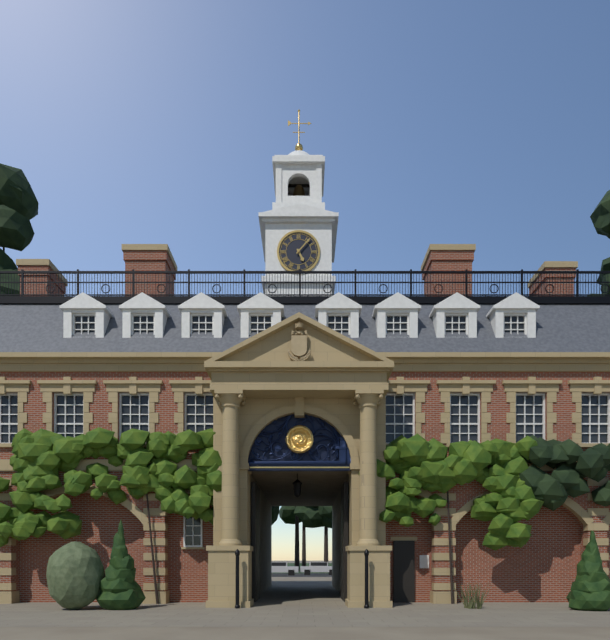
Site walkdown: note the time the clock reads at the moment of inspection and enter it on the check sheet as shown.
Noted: 5:07
